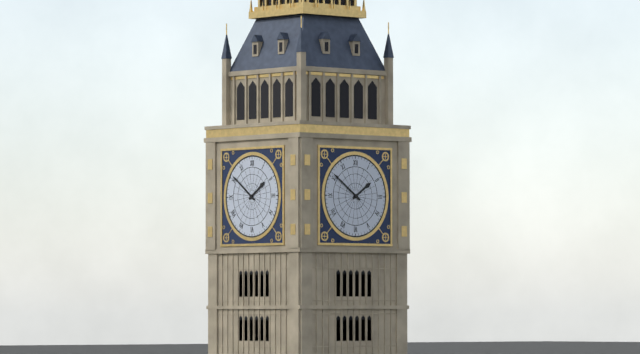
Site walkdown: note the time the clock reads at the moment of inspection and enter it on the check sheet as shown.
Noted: 1:51
